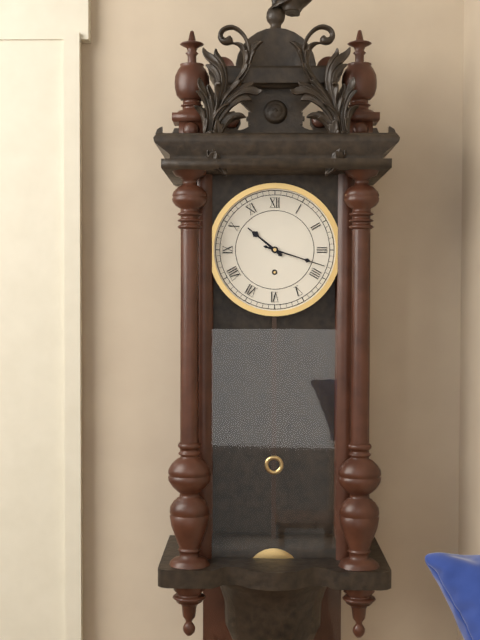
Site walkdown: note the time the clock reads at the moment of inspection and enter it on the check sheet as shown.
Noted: 10:18
